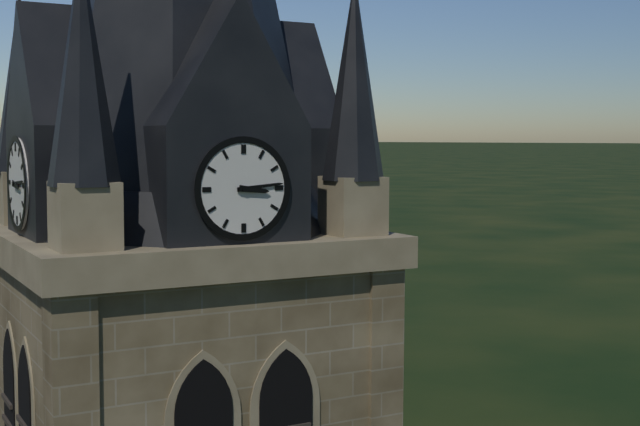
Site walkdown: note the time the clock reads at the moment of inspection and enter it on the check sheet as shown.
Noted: 3:14
